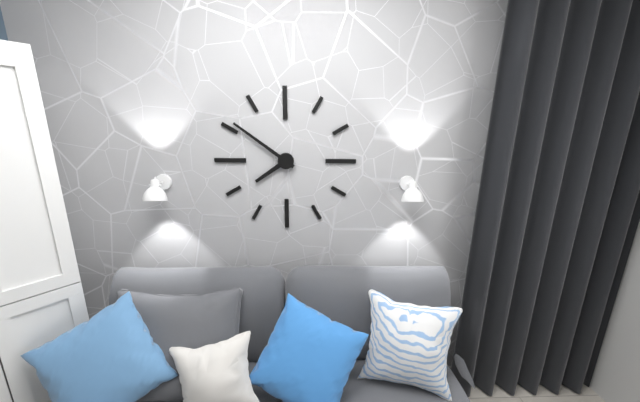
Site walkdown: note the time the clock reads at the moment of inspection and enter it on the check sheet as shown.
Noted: 7:51
